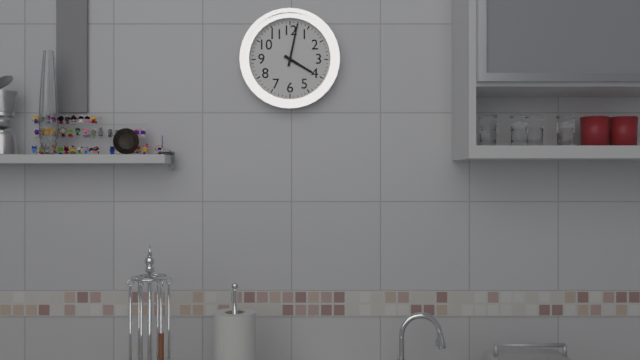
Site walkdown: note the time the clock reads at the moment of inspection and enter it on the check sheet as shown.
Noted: 4:02
